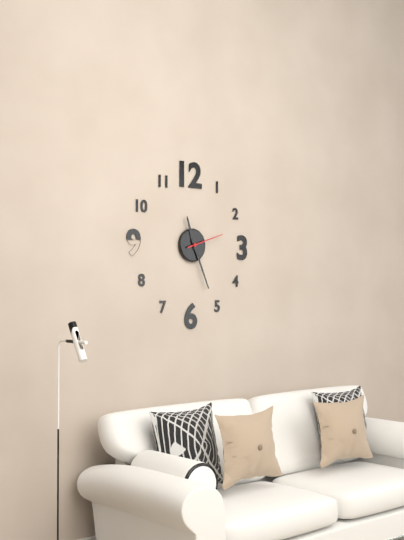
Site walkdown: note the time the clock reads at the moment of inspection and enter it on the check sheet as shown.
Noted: 11:26
